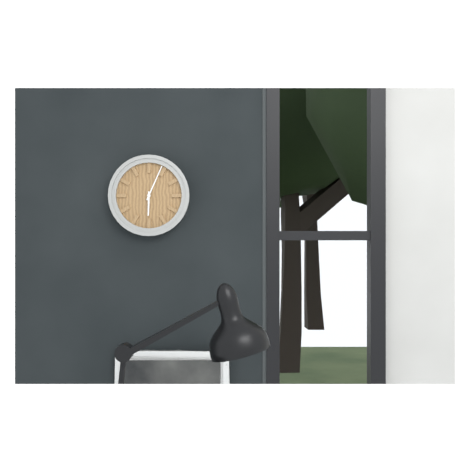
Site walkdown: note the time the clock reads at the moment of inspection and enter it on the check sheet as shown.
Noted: 6:04
